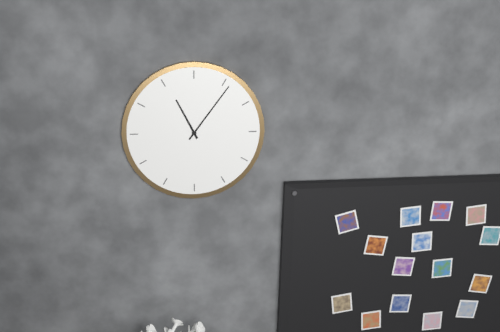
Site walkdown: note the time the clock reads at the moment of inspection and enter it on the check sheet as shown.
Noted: 11:06
